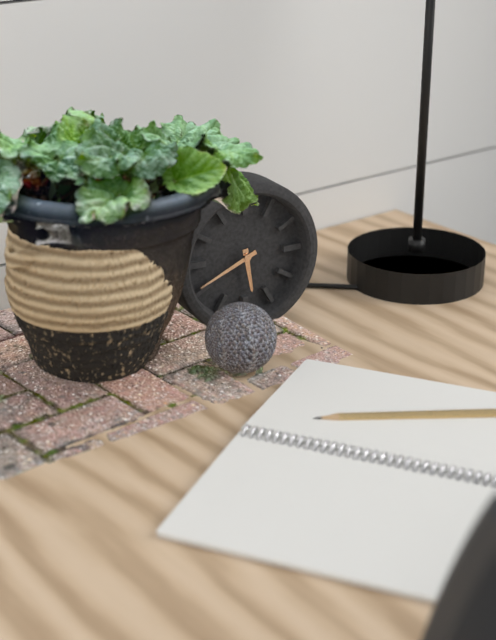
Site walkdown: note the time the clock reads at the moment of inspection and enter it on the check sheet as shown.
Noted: 5:41
